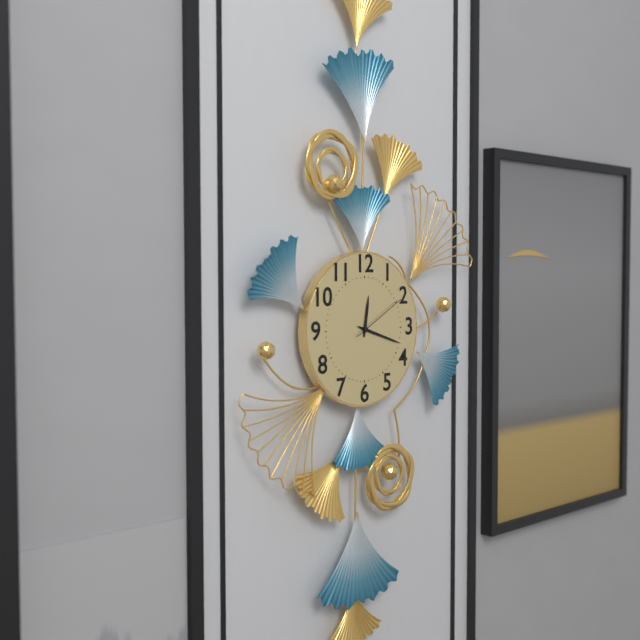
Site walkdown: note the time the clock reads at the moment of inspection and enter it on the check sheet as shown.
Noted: 12:18:10
